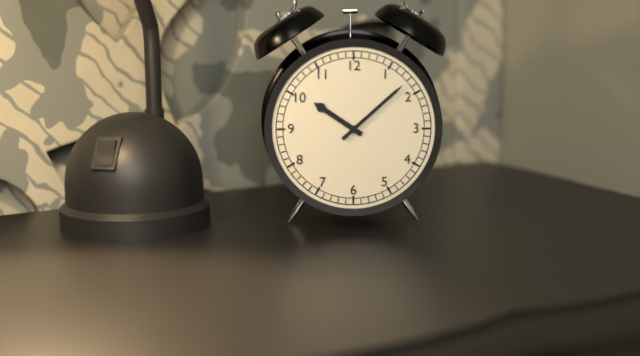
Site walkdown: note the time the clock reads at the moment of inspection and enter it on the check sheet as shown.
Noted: 10:08
